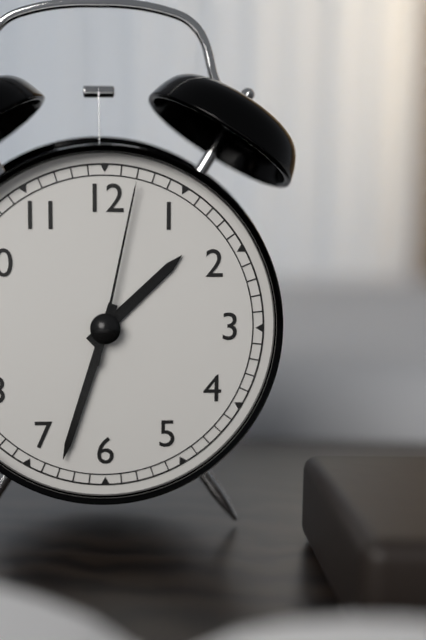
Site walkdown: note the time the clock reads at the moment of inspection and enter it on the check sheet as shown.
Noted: 1:33:02
